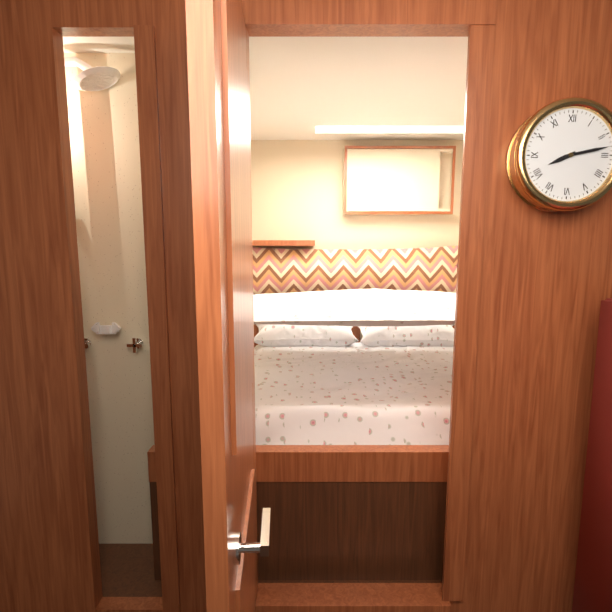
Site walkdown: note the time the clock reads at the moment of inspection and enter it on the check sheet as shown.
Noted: 8:13
